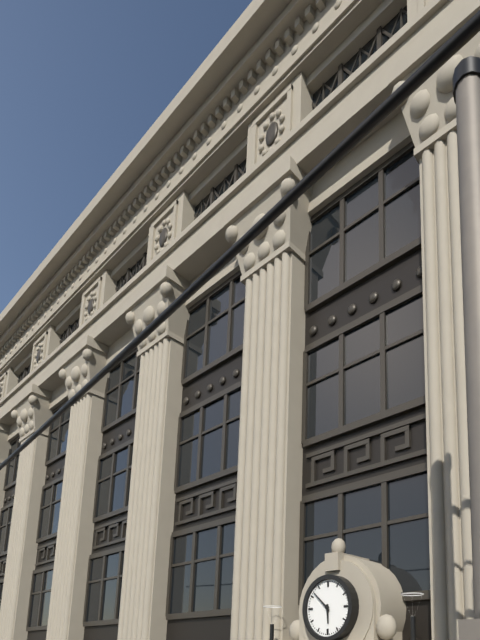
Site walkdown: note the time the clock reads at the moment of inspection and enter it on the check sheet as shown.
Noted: 5:52
